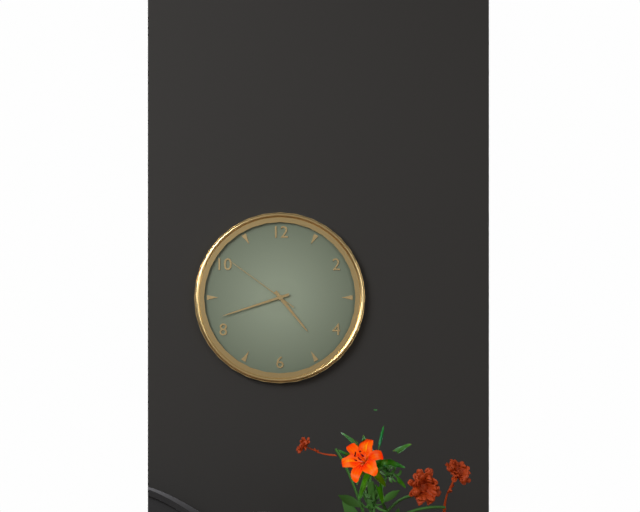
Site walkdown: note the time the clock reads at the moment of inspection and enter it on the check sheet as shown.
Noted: 4:42:51
